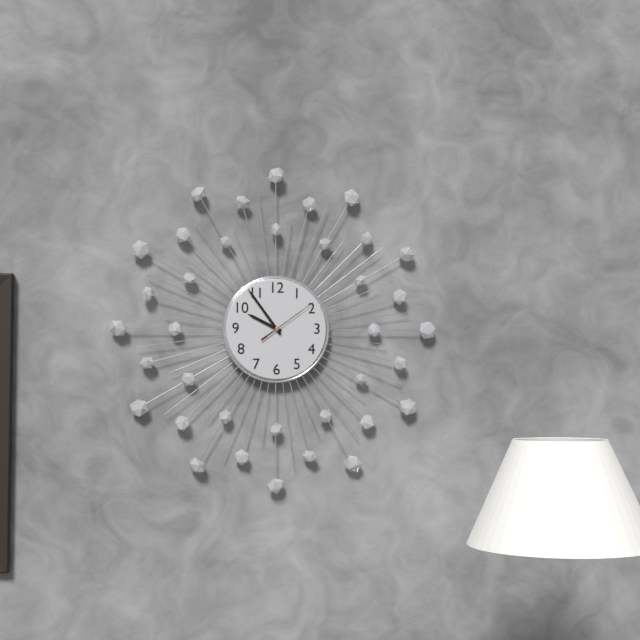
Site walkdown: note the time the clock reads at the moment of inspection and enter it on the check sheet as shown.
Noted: 9:54:09
